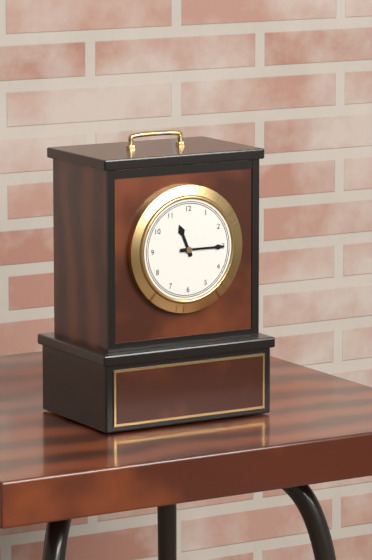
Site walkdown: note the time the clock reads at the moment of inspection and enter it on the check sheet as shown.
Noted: 11:15
